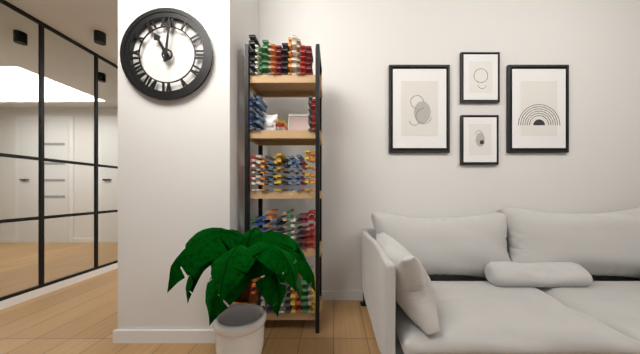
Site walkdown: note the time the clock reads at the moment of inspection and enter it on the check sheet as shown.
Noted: 11:01
